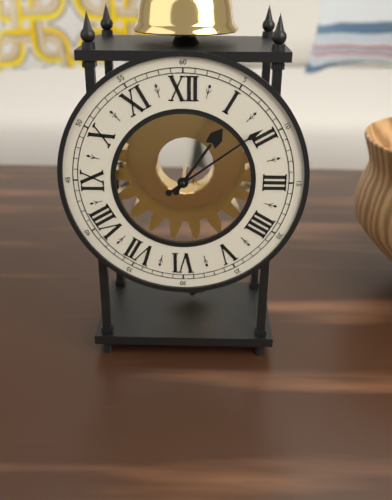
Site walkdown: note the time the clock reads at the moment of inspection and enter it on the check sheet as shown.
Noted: 1:09
